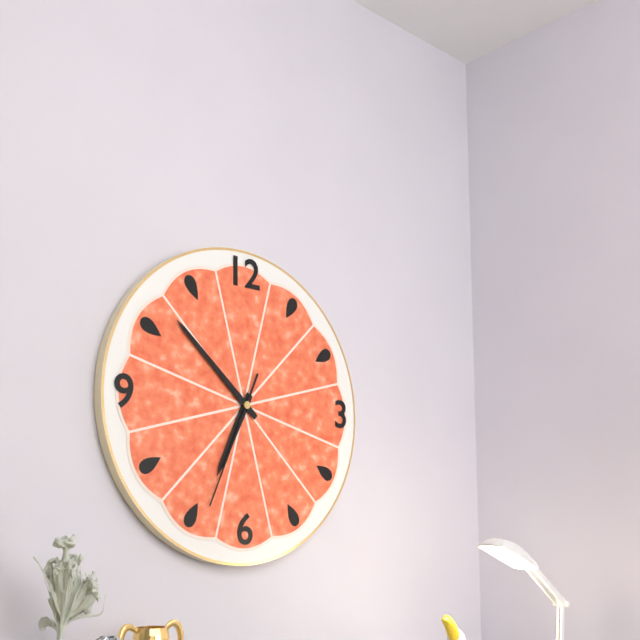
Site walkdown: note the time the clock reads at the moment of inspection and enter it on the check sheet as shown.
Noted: 6:52:34
